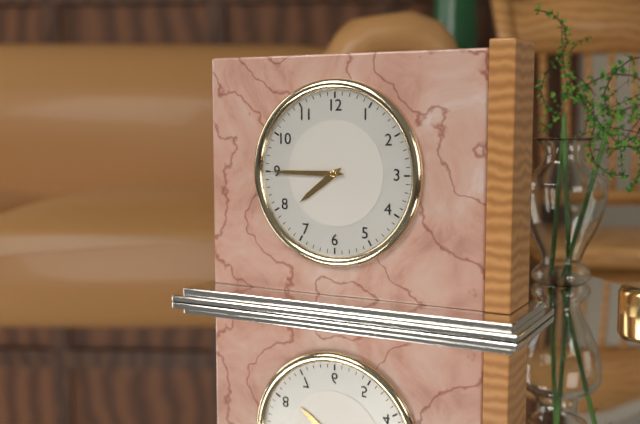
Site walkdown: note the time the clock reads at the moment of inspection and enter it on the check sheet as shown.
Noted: 7:45
